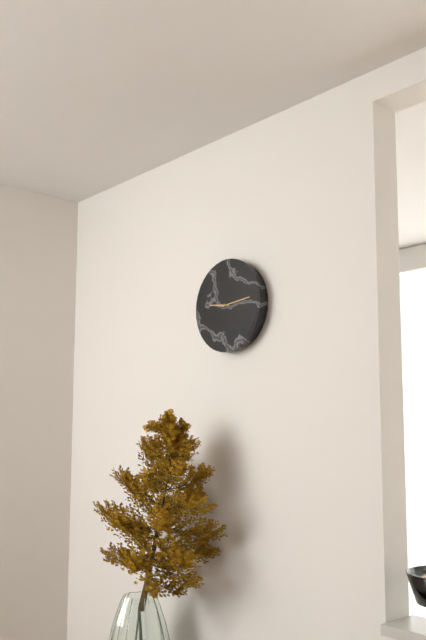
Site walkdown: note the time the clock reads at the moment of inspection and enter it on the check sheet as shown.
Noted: 9:14
